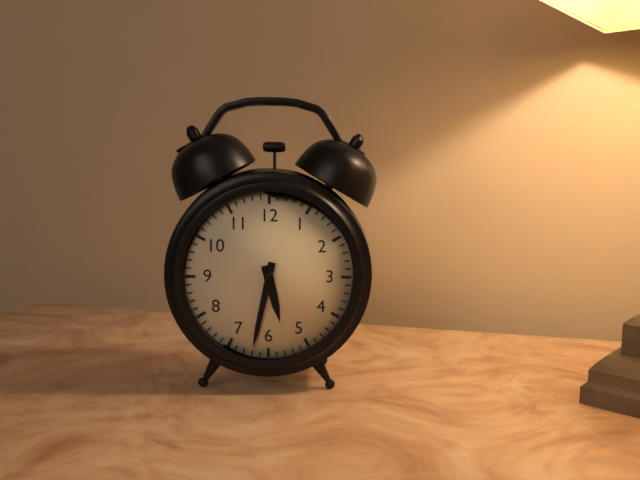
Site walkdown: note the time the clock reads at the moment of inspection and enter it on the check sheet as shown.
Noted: 5:32
